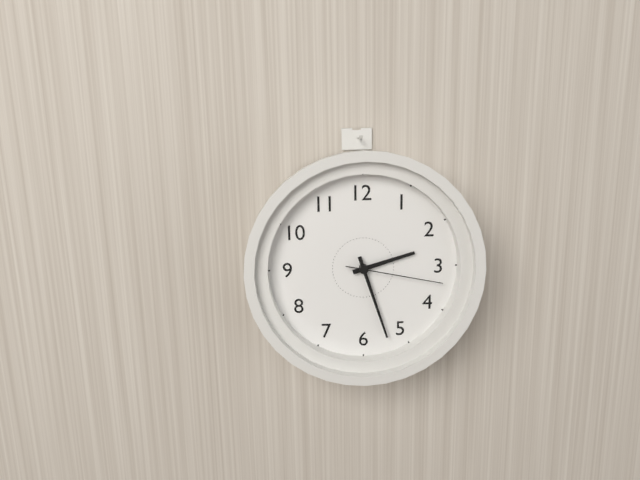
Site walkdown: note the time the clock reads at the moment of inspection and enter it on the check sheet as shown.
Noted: 2:27:17
